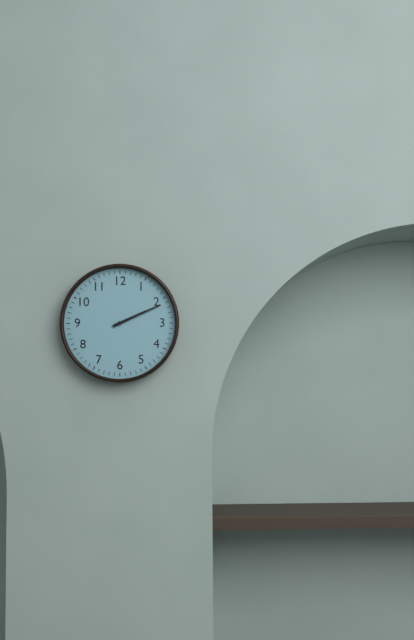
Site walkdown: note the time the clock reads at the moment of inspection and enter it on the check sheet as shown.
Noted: 2:11
